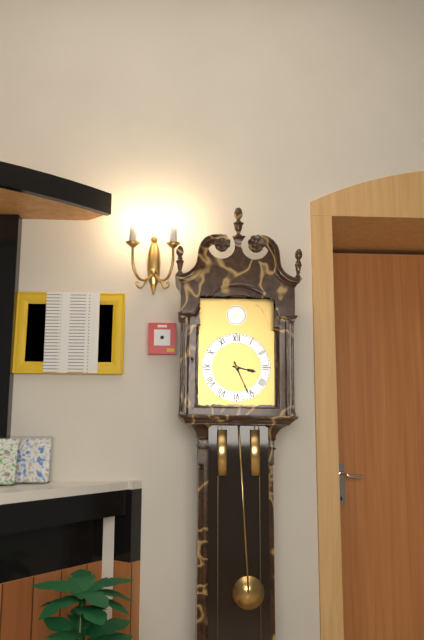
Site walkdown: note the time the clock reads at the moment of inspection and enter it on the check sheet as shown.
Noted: 3:26
